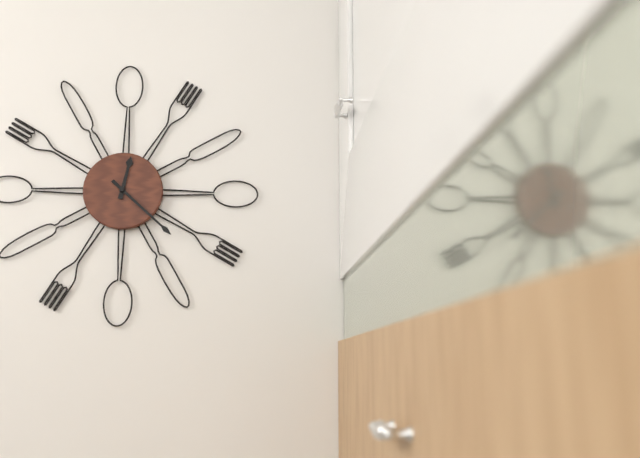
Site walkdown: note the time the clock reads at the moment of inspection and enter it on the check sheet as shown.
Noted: 12:22
